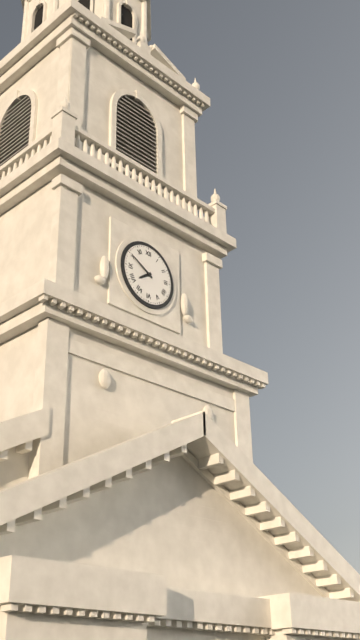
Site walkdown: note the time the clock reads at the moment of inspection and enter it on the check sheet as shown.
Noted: 7:50
